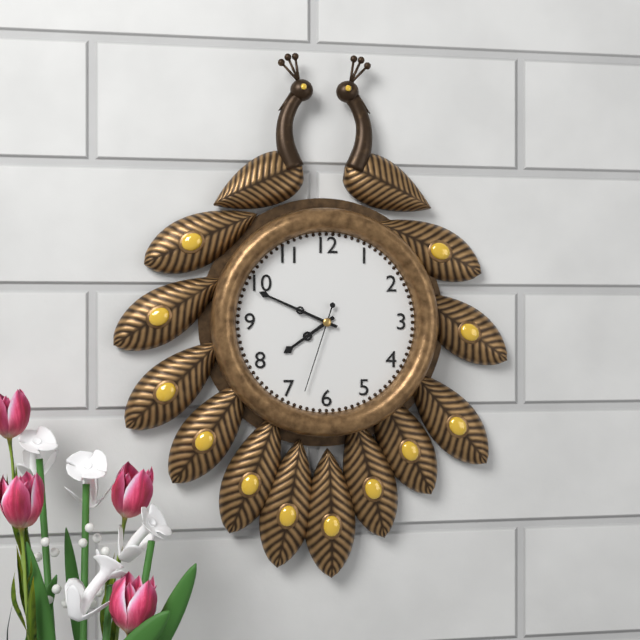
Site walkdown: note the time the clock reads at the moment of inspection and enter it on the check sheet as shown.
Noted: 7:49:33
